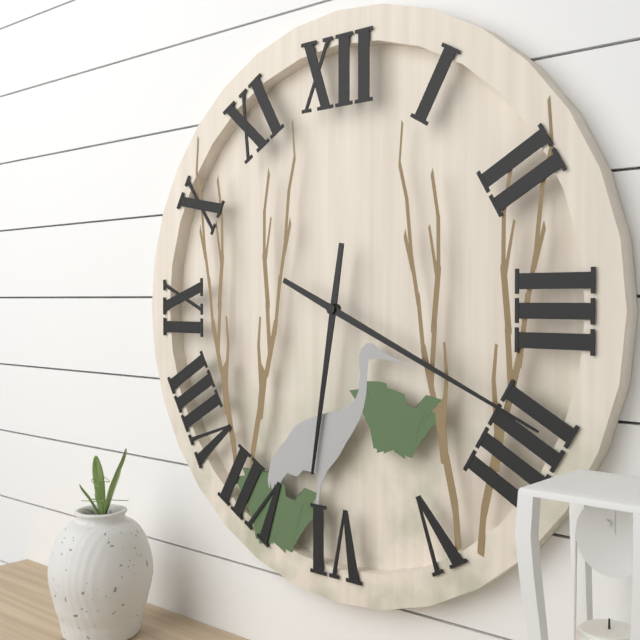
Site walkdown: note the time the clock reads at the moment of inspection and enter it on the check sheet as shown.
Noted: 6:19
